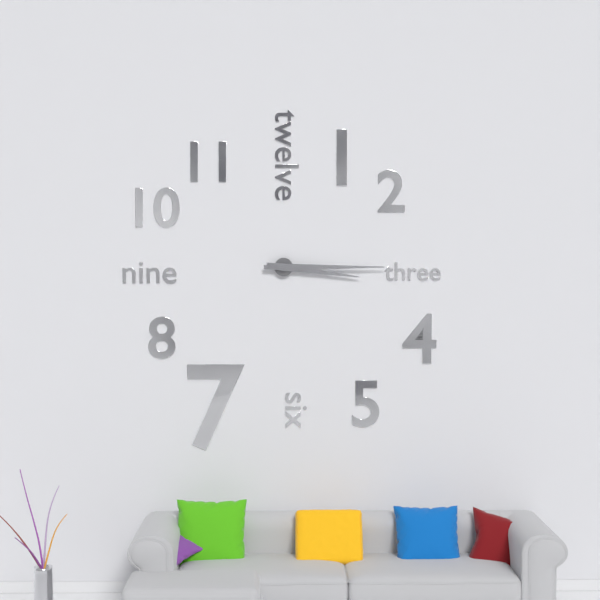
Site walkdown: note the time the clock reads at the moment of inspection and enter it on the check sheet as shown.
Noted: 3:15
